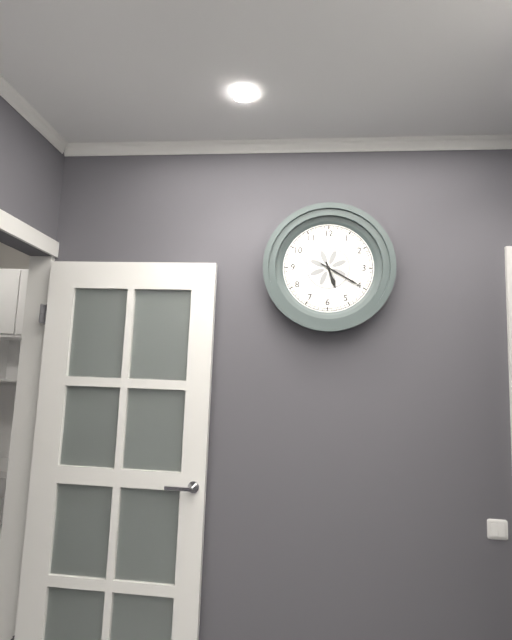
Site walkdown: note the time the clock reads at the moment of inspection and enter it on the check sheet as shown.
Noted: 5:20
